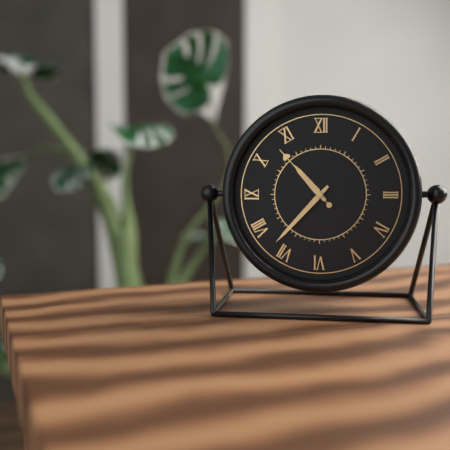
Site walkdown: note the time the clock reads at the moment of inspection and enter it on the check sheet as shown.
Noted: 10:37:53
